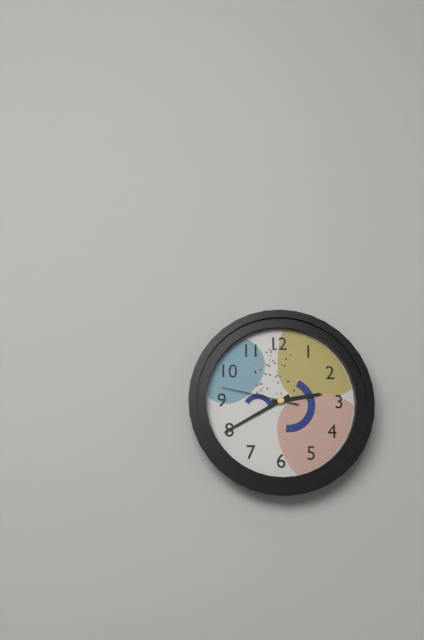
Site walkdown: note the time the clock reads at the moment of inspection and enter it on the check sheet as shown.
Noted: 2:40:47
